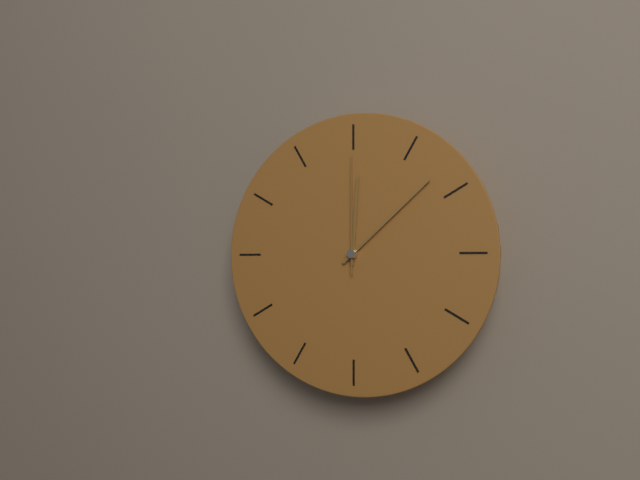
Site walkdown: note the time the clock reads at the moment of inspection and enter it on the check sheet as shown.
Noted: 12:08:00
